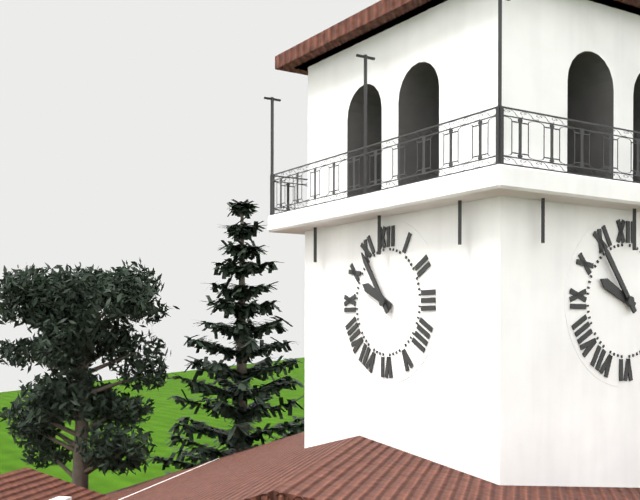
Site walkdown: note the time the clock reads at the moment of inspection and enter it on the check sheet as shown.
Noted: 9:54
